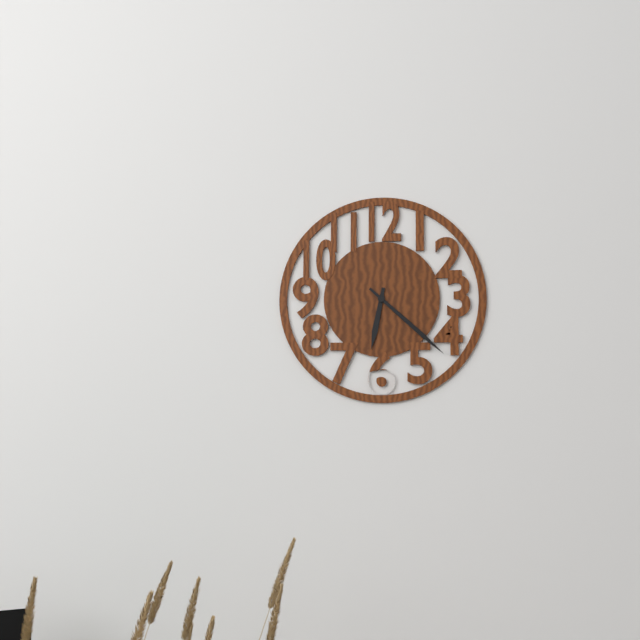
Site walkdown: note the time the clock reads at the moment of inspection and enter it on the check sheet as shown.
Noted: 6:22
